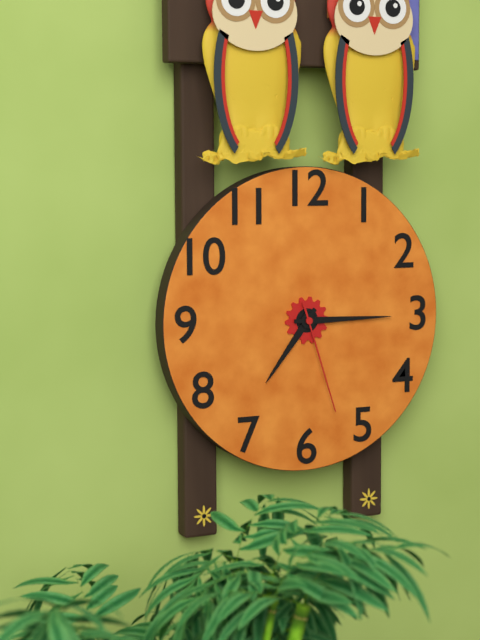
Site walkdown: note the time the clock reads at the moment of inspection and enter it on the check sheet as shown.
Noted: 7:15:27
